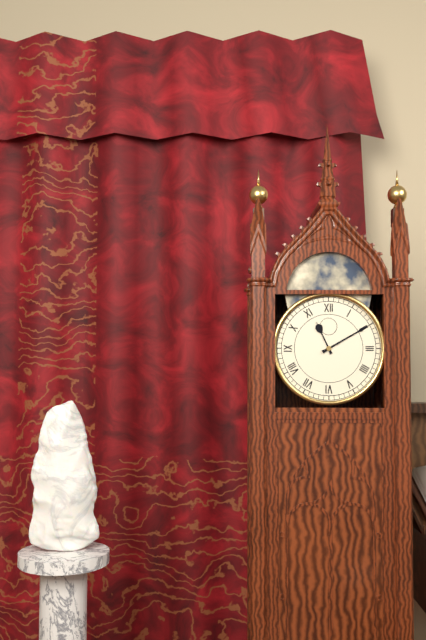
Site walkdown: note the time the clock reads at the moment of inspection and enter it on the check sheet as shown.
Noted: 11:10
